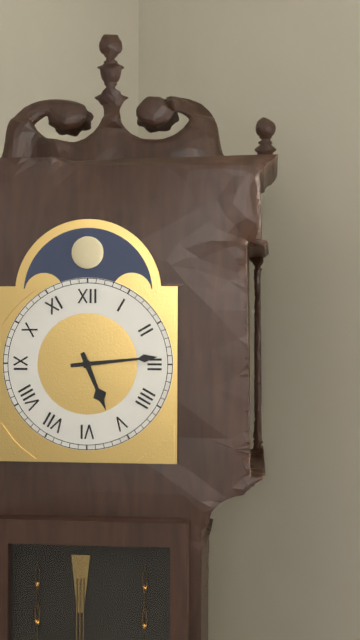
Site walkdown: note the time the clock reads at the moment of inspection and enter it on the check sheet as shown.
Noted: 5:14
